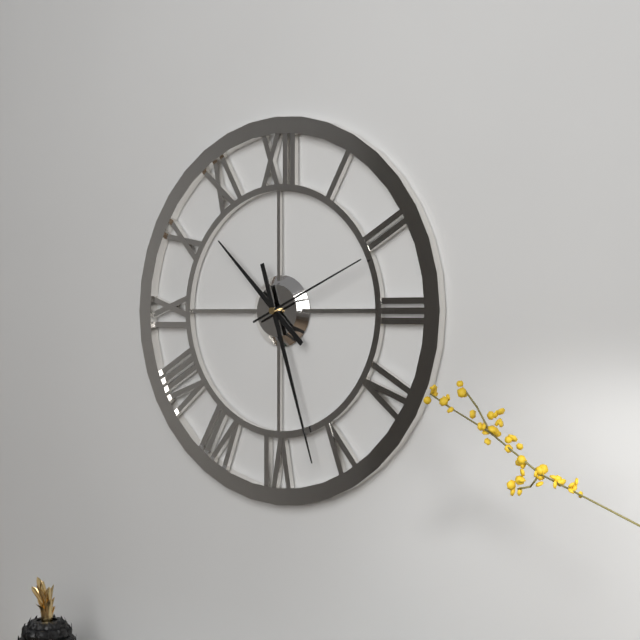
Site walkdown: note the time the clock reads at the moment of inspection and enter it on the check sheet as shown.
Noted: 10:27:11
